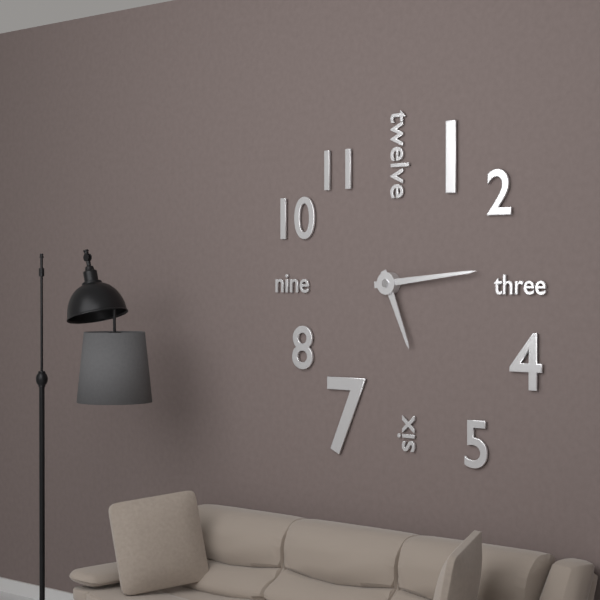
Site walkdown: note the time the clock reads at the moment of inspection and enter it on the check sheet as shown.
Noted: 5:14
